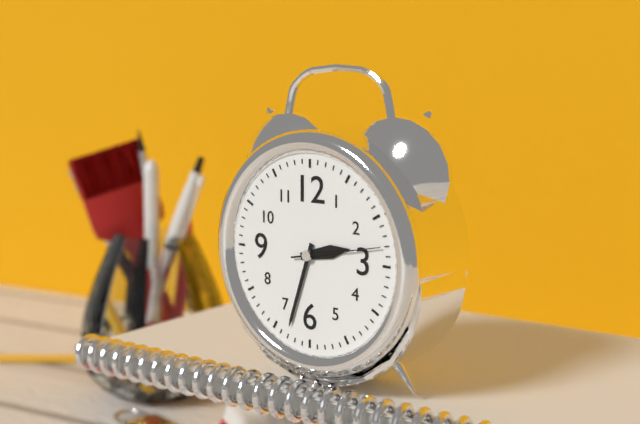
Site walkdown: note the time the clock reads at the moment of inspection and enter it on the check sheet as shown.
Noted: 2:33:13
